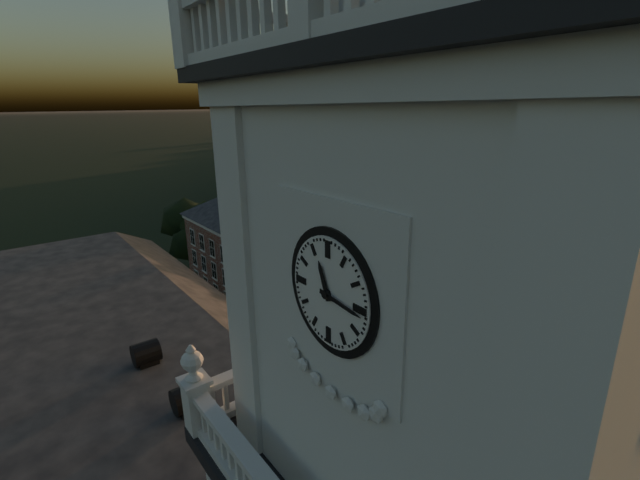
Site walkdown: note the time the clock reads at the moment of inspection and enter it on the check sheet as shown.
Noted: 11:16
